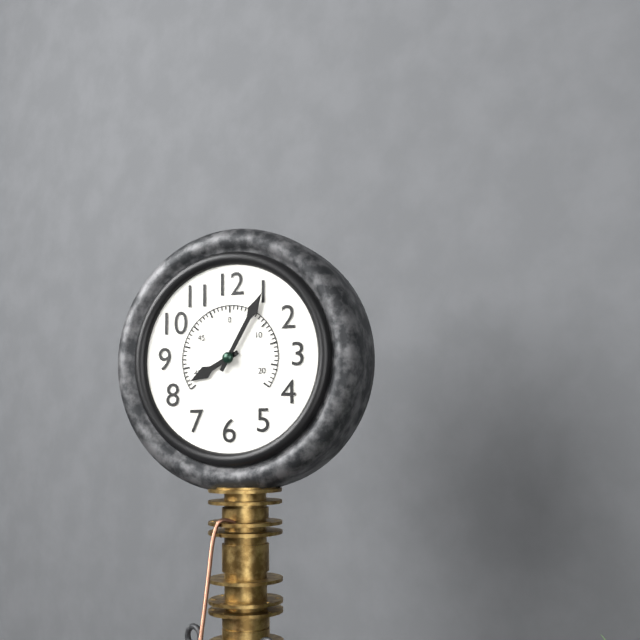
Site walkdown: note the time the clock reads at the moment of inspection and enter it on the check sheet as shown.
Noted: 8:05
